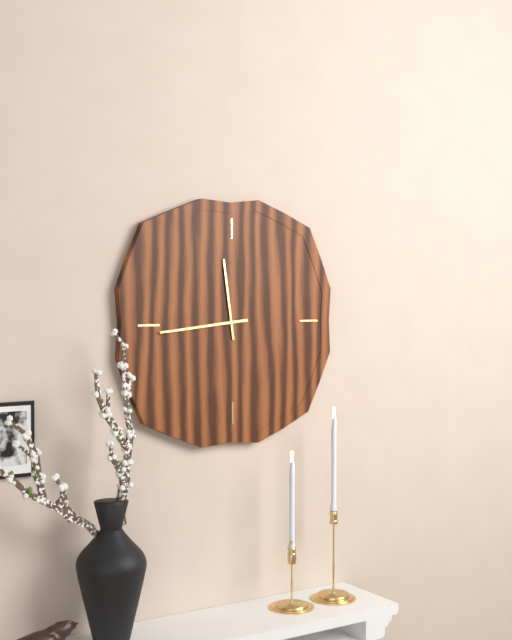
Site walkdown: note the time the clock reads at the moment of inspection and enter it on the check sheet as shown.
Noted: 11:44
